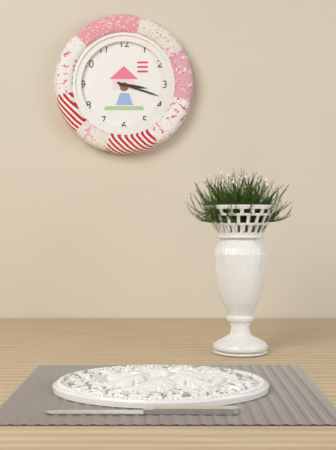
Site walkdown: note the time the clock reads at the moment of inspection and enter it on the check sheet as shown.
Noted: 3:18
